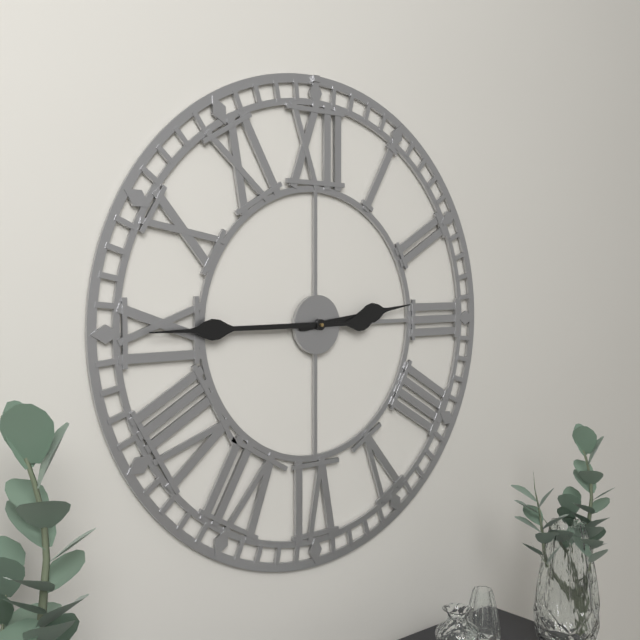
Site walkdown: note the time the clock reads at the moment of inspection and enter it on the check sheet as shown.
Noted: 2:45
